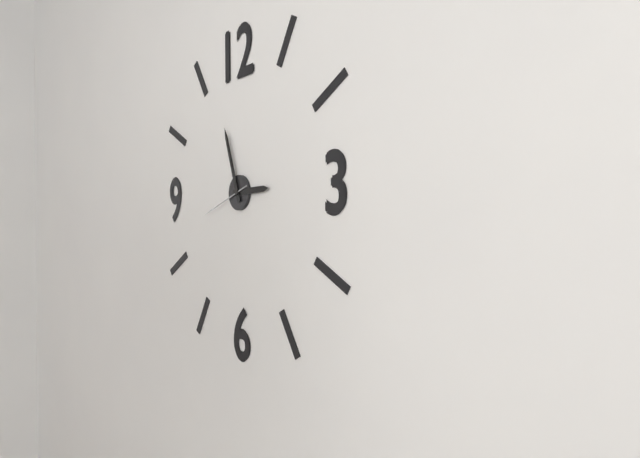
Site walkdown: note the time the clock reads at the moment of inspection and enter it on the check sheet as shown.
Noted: 2:57:42
